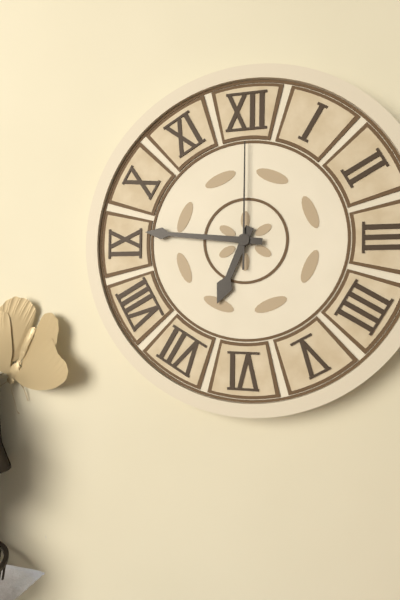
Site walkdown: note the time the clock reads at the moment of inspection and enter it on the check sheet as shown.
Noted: 6:46:00
